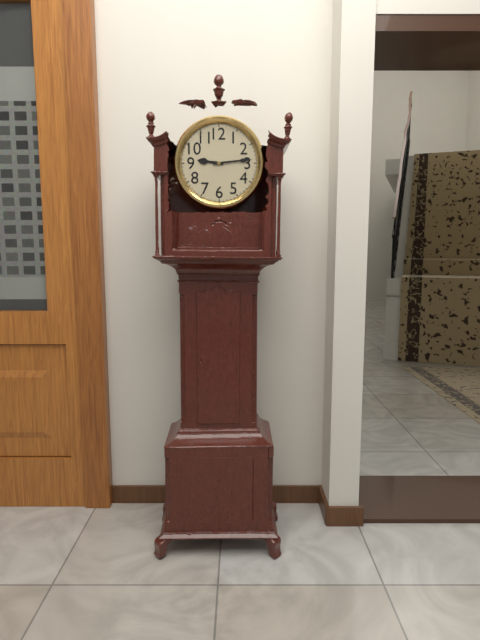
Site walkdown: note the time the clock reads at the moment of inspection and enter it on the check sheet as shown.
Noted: 9:14
